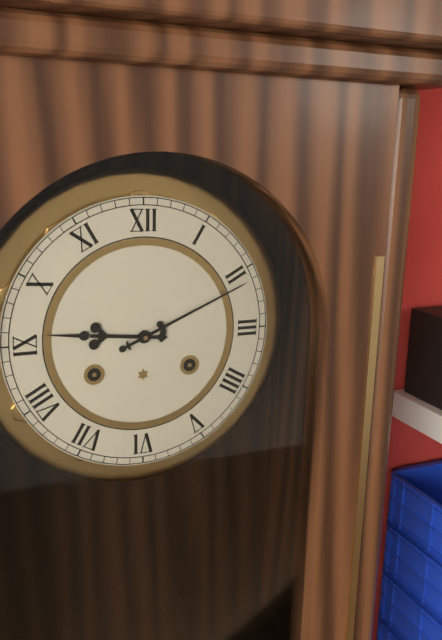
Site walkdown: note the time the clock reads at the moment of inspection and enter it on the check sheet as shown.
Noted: 9:11
